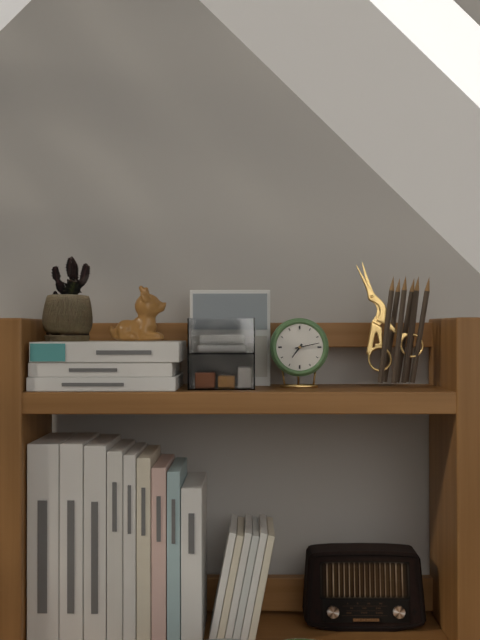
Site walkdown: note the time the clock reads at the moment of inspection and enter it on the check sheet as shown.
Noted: 7:13
